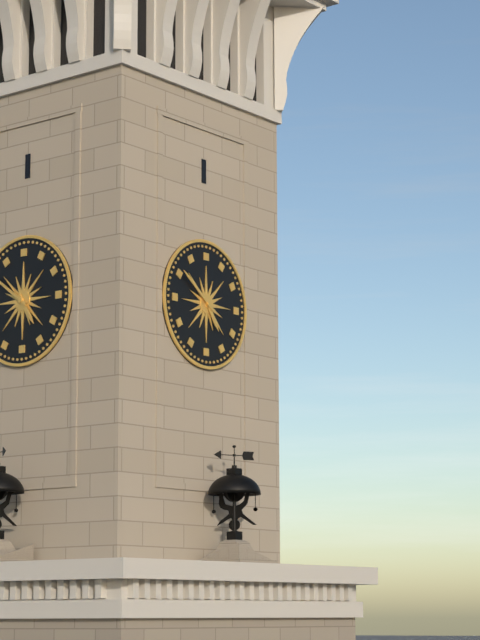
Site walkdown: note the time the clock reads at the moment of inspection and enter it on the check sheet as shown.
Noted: 4:51
